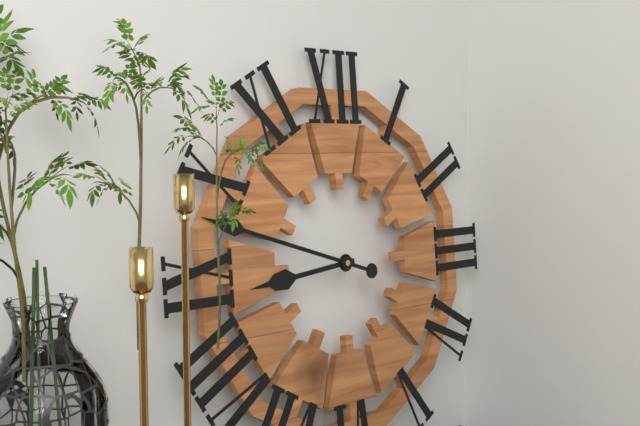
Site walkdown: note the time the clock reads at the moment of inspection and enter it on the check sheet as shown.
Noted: 8:48
